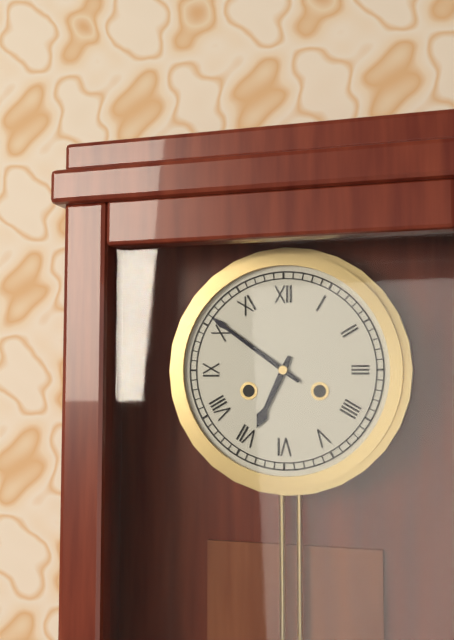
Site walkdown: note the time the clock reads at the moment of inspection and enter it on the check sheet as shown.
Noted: 6:51
